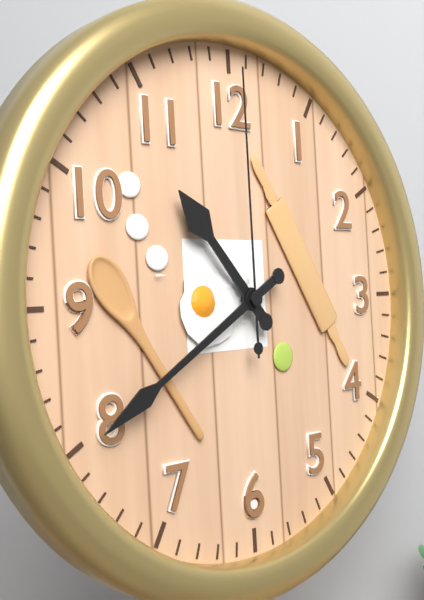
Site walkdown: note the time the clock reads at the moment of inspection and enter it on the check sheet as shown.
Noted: 10:40:00
